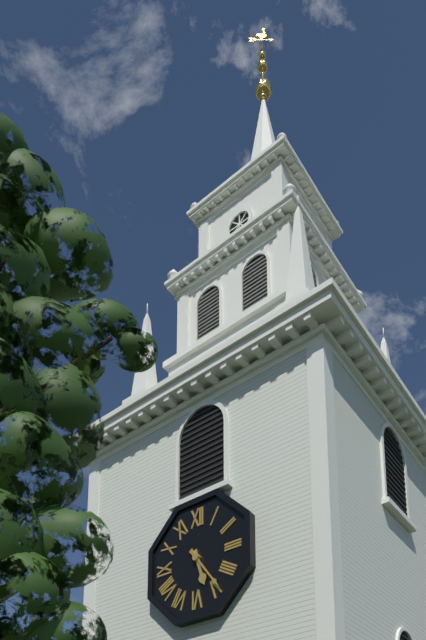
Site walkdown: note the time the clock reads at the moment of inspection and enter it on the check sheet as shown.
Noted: 5:24
